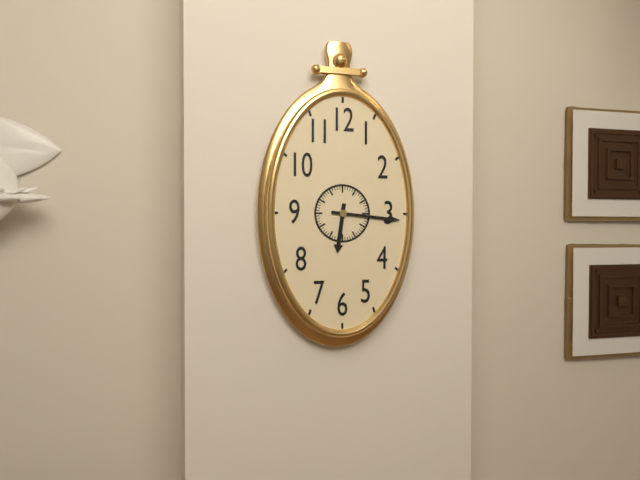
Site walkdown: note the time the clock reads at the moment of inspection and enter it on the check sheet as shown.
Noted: 6:16
